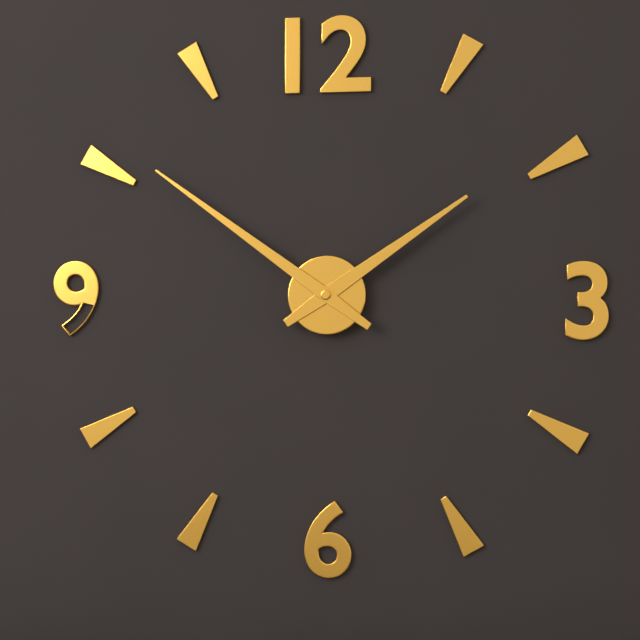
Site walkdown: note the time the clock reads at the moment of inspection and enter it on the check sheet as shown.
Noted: 1:51
